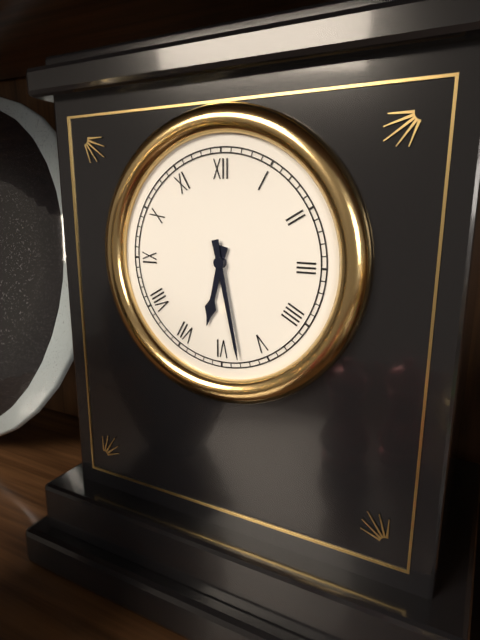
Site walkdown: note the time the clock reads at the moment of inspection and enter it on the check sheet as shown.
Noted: 6:28
